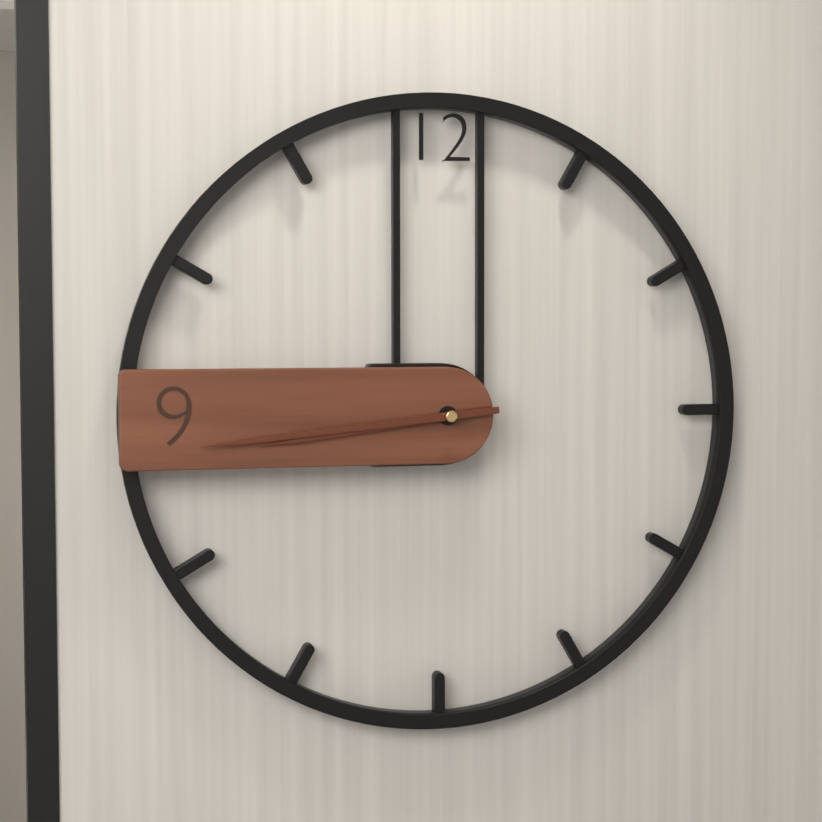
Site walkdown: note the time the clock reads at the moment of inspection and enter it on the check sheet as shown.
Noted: 8:44
